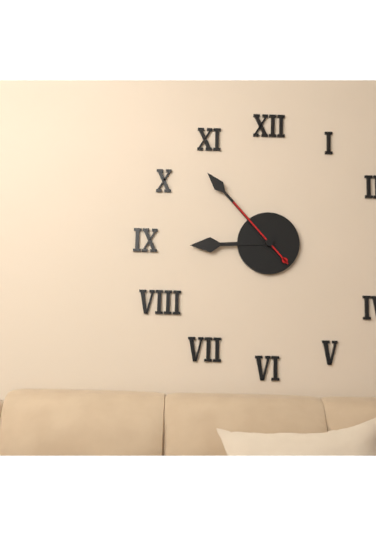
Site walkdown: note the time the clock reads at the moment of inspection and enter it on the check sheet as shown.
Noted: 8:53:53
